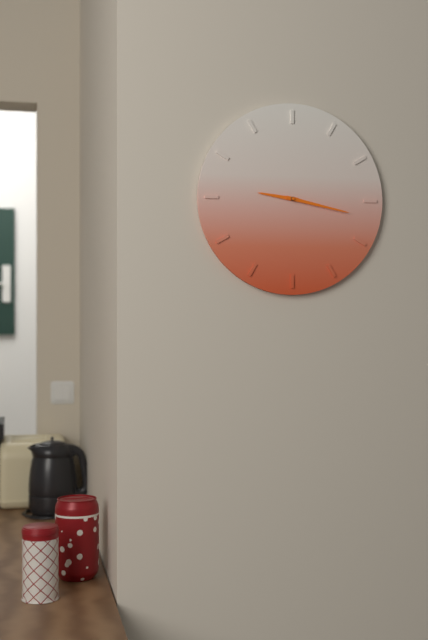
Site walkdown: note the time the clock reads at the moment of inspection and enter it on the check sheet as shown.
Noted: 9:17
